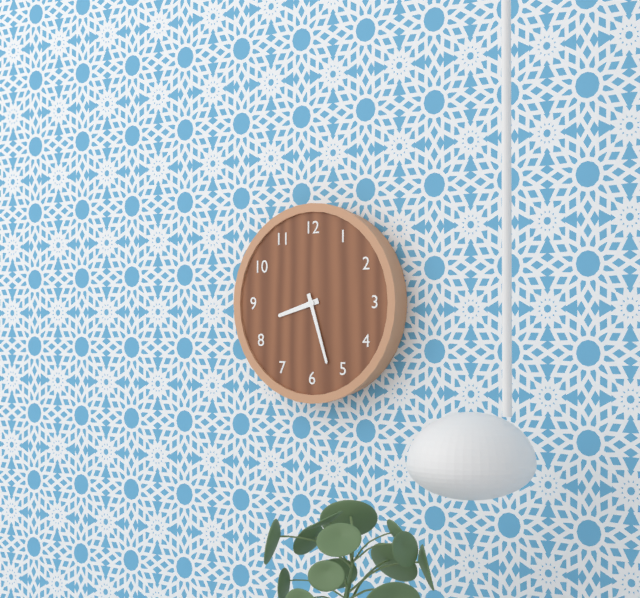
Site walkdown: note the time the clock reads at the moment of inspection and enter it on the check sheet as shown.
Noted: 8:27
